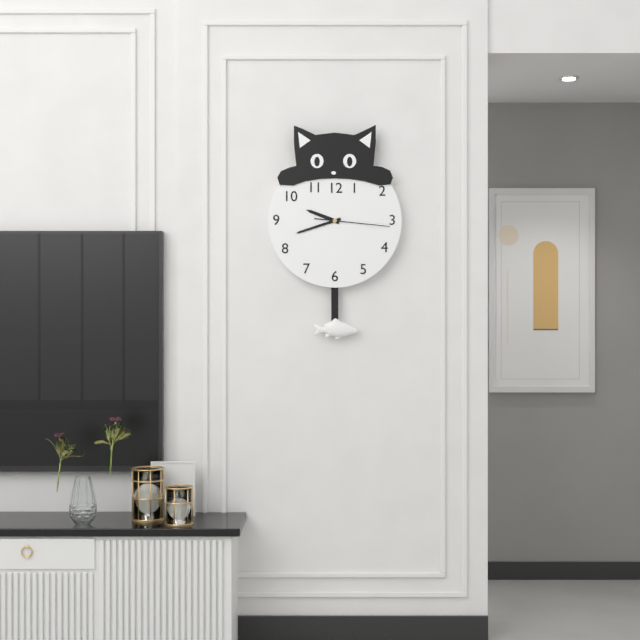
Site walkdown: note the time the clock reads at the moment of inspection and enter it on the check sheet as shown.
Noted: 9:42:16
